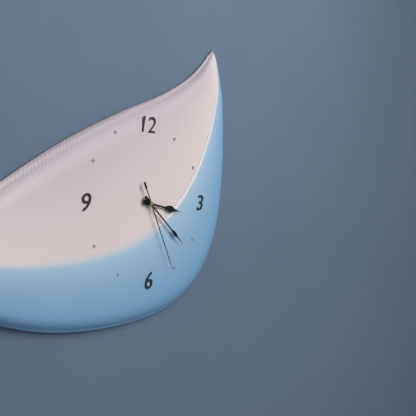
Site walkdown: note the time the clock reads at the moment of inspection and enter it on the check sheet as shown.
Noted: 3:22:26
